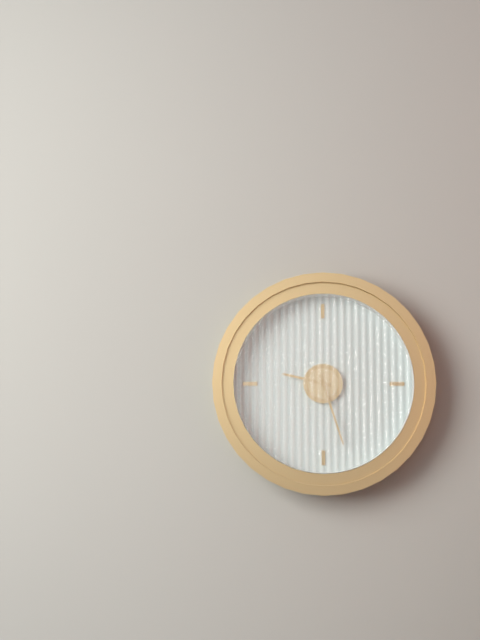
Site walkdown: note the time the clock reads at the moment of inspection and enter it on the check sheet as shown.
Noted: 9:27
